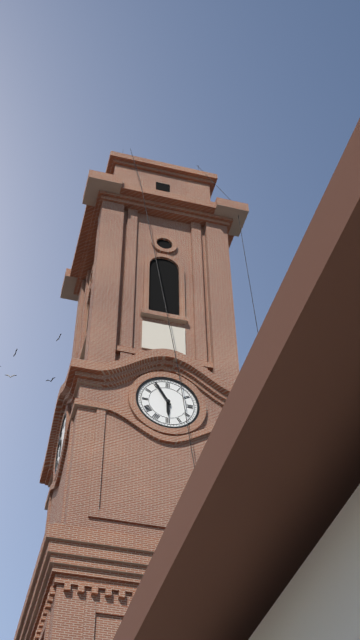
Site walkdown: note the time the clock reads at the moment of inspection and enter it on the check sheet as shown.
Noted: 5:55
